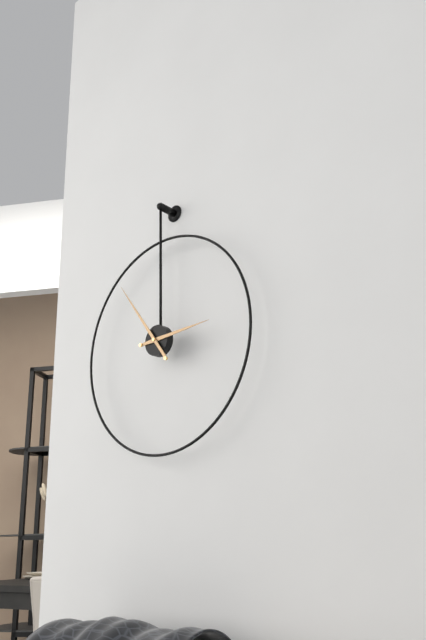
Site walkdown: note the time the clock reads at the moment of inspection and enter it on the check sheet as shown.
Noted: 2:54
